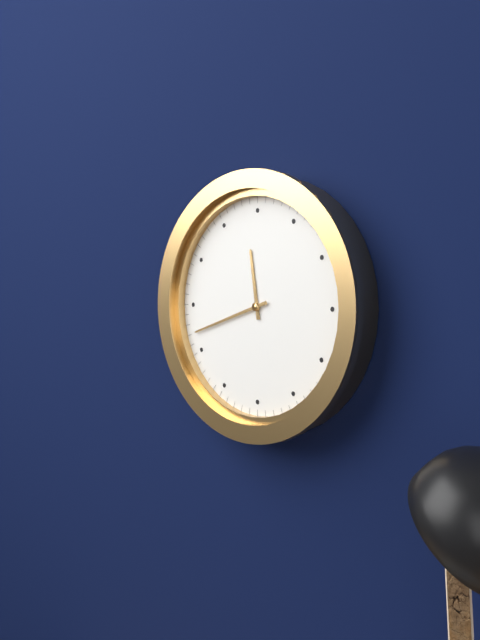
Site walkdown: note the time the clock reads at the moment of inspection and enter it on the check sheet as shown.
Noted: 11:42
